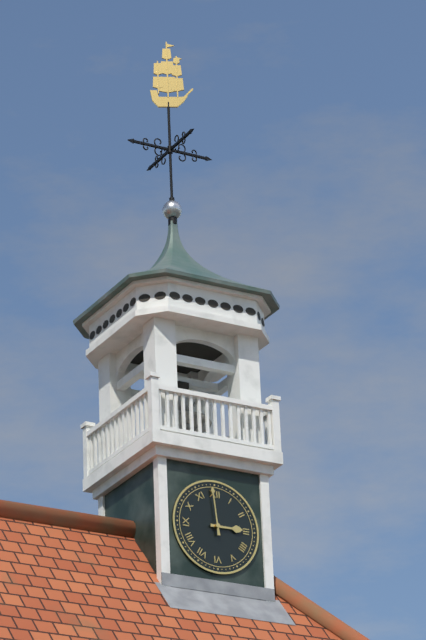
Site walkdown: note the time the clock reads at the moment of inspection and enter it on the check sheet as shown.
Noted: 2:59
